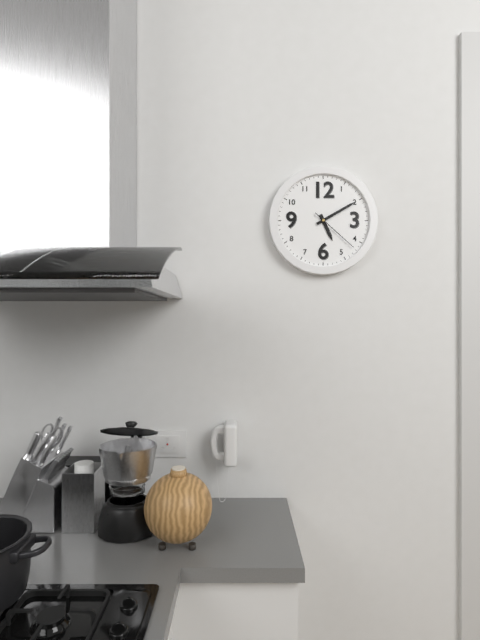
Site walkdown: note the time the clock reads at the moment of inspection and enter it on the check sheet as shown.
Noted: 5:10:22
